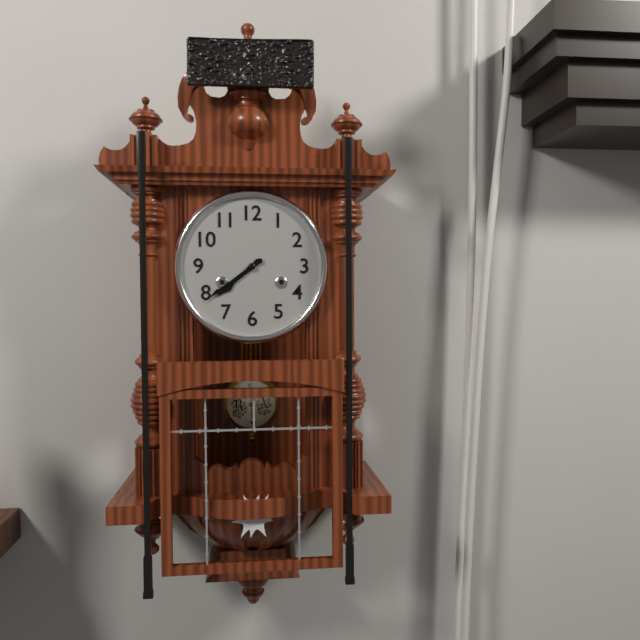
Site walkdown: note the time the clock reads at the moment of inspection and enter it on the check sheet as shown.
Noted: 7:39
